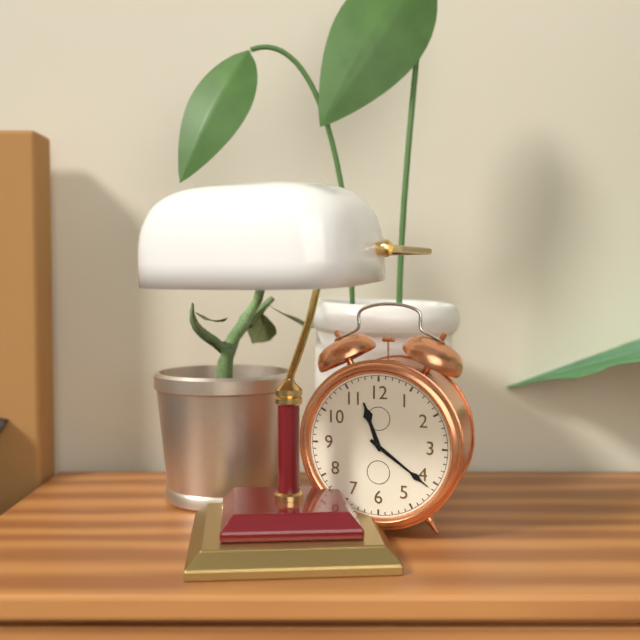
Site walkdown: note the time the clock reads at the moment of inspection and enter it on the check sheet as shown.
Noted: 11:21
